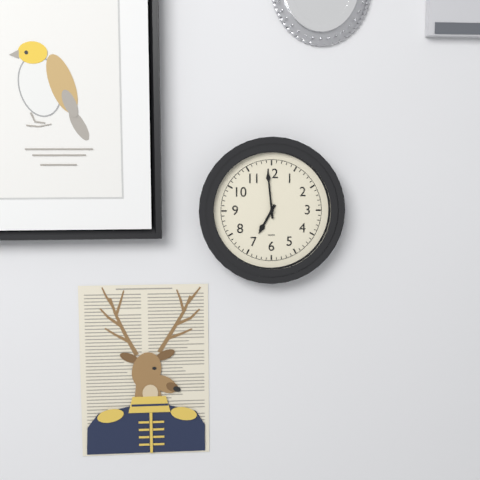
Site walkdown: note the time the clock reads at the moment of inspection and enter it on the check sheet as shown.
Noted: 6:59
